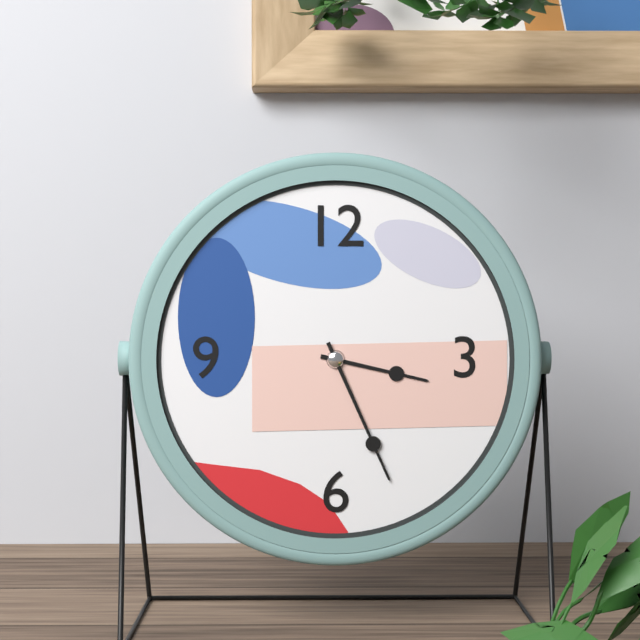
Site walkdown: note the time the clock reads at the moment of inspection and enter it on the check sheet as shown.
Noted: 3:26
